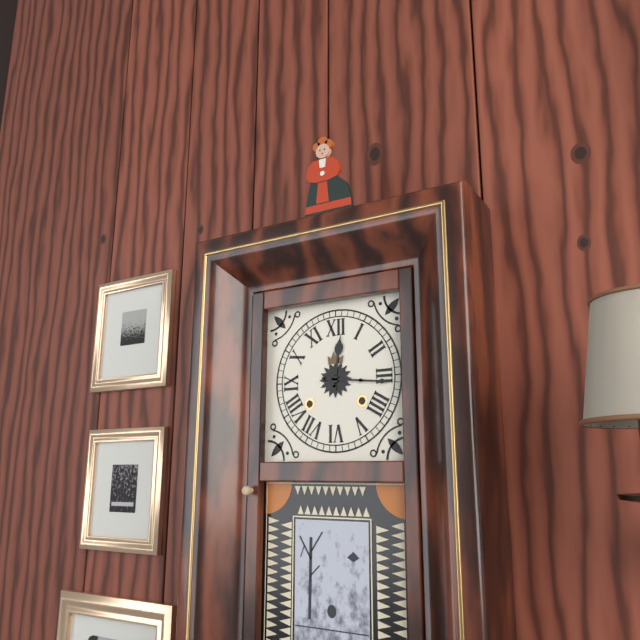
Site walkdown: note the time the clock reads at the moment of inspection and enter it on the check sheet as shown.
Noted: 12:16
